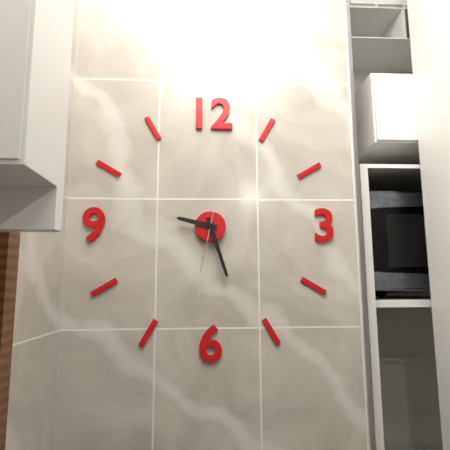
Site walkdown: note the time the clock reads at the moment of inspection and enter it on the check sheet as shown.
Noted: 9:27:32
